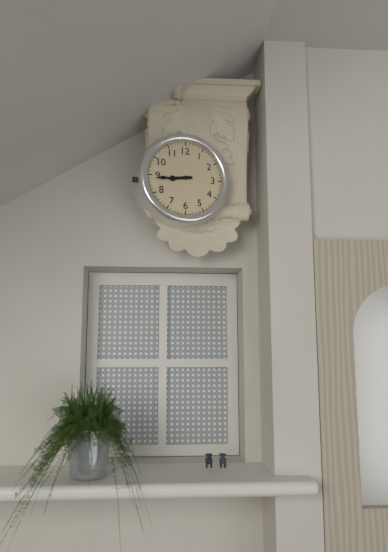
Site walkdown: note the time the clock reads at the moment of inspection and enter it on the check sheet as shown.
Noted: 8:44
